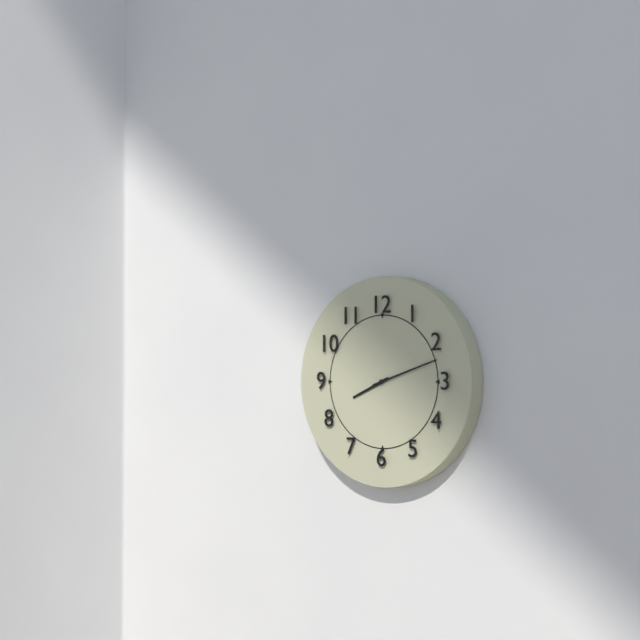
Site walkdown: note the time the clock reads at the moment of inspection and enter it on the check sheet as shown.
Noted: 8:12
